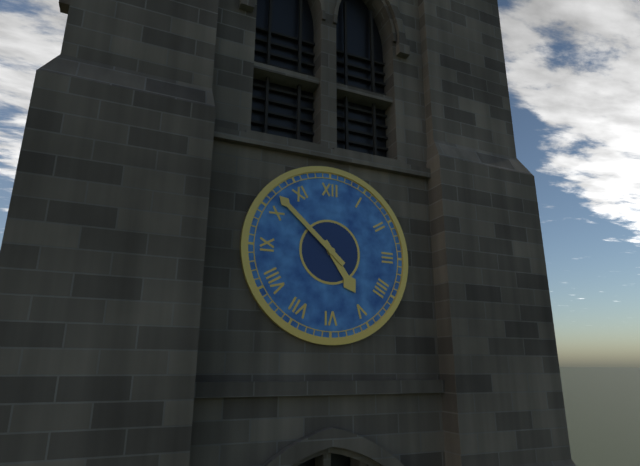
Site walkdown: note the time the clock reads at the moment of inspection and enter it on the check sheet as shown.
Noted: 4:52
